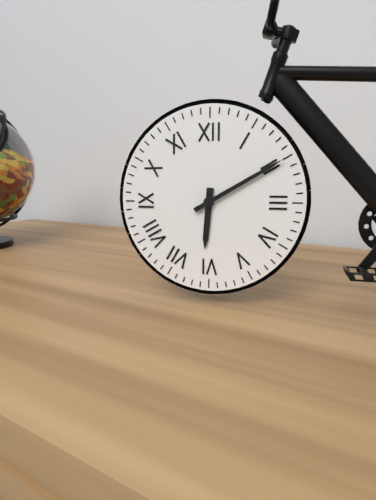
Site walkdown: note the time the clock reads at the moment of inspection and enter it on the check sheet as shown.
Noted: 6:10
